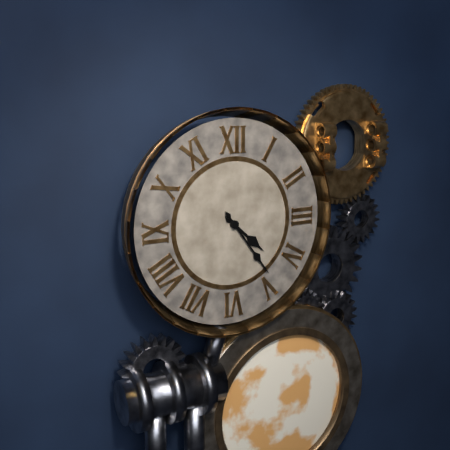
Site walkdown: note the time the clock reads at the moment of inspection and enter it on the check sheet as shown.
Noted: 4:24
